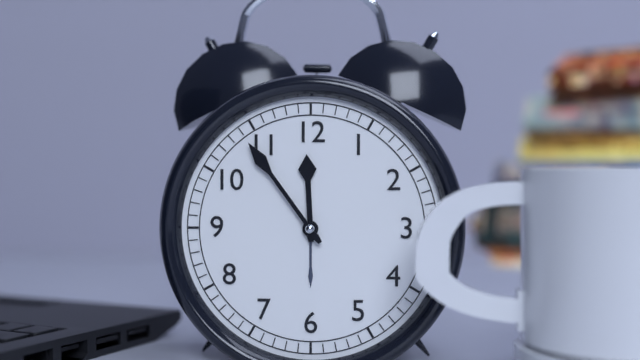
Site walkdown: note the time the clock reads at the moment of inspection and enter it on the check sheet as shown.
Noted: 11:54
